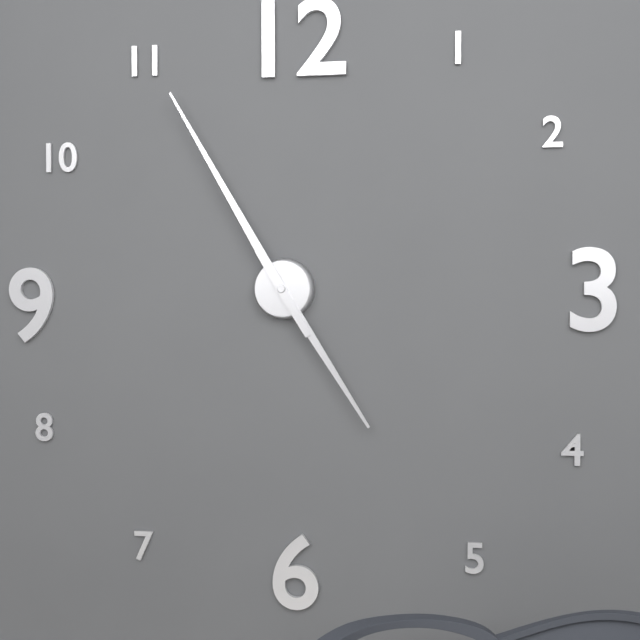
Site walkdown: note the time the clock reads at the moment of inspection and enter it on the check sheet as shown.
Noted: 4:55
